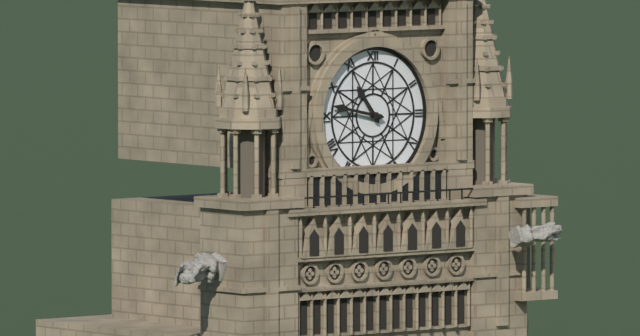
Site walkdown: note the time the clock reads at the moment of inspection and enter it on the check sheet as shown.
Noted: 10:47
